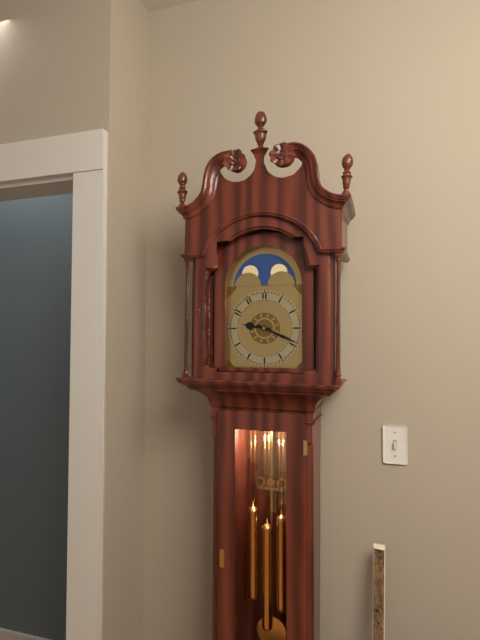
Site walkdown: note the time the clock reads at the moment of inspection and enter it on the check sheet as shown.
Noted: 9:19
